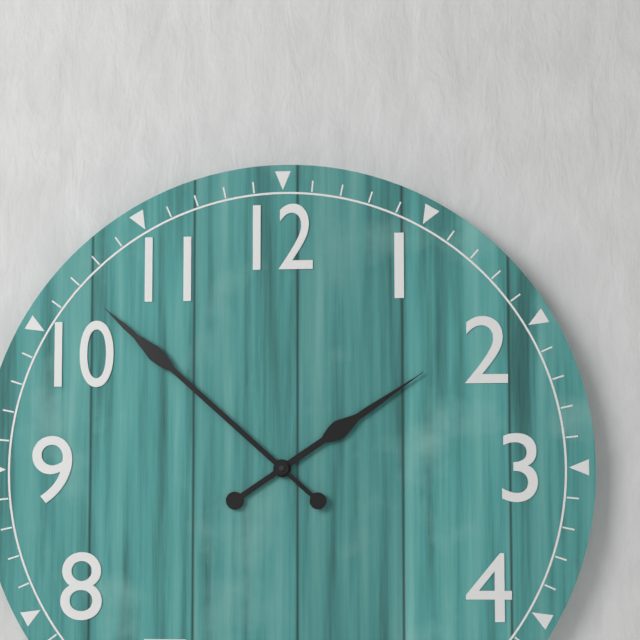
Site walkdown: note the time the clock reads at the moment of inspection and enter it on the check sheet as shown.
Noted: 1:52
